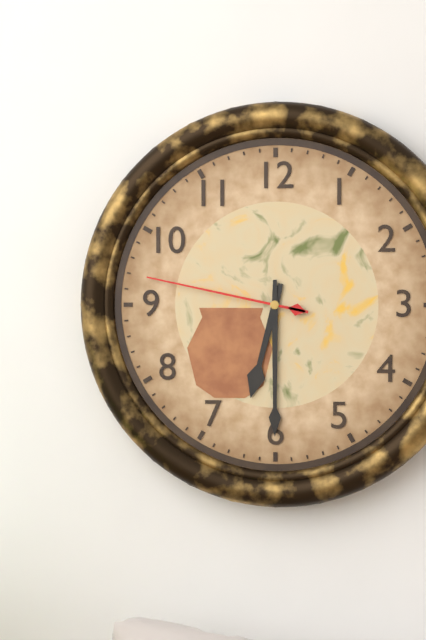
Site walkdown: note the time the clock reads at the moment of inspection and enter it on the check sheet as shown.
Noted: 6:30:47
